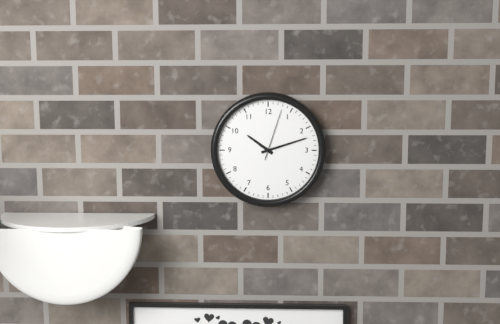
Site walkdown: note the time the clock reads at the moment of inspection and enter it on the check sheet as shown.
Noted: 10:12:03
